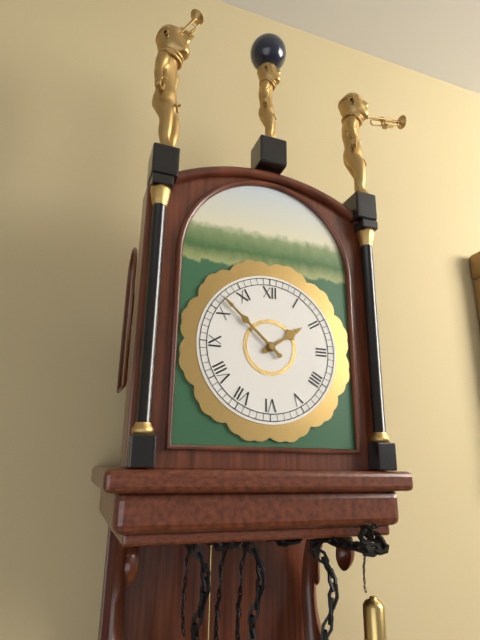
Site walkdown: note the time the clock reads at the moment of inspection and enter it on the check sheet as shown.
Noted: 1:52
